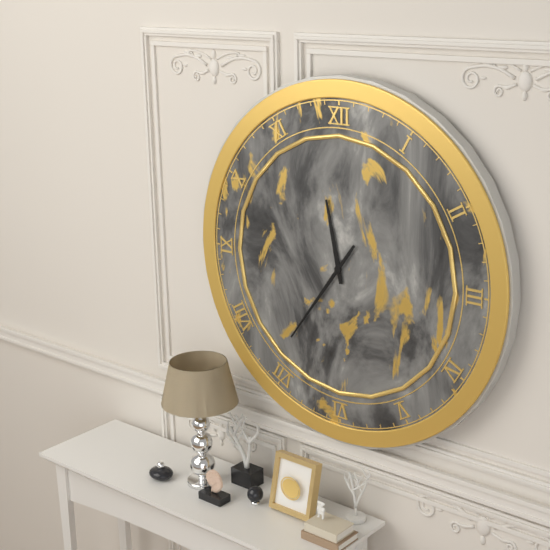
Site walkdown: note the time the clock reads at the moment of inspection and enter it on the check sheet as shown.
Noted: 11:36
